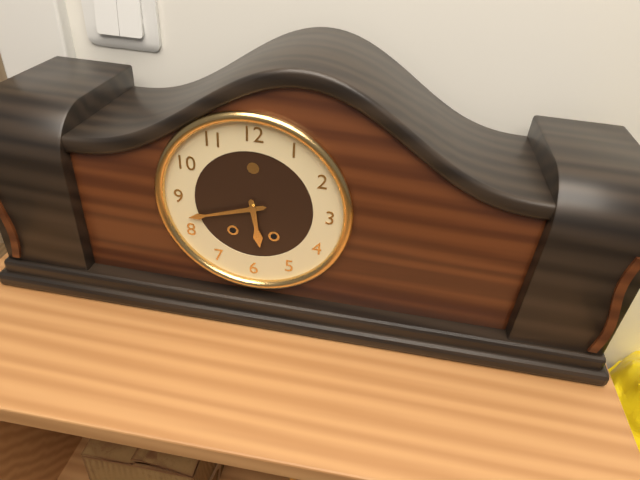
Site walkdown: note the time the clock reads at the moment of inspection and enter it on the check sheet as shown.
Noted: 5:42
